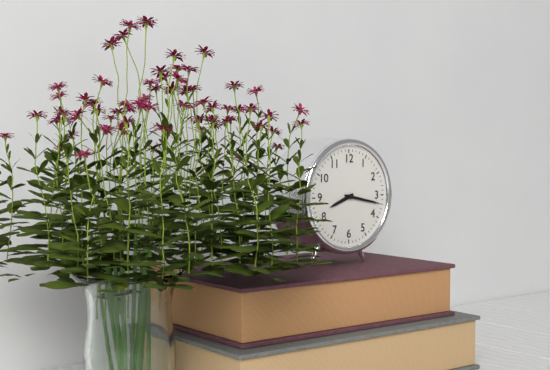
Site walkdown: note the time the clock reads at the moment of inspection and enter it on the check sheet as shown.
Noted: 8:17
